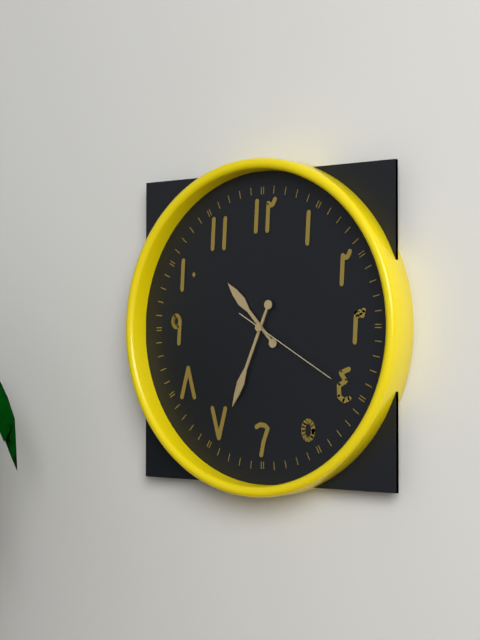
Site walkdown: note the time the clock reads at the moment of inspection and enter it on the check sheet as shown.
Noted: 10:34:20
